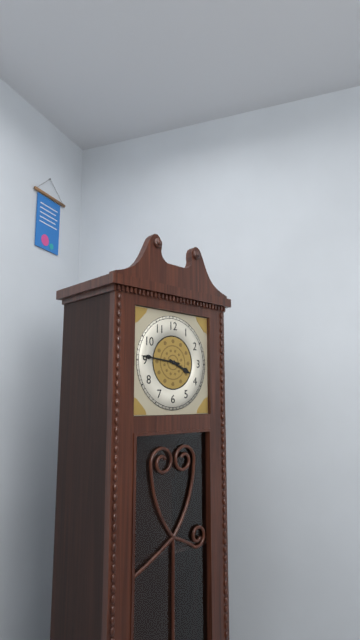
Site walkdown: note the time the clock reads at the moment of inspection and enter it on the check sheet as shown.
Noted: 3:46
